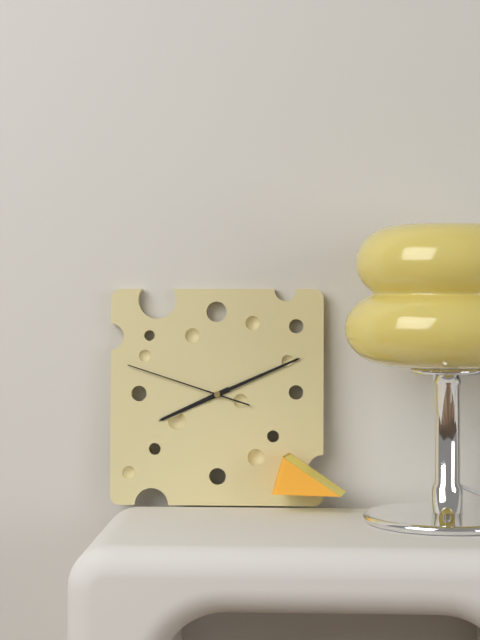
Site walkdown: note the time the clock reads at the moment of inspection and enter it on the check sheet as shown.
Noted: 8:11:48
